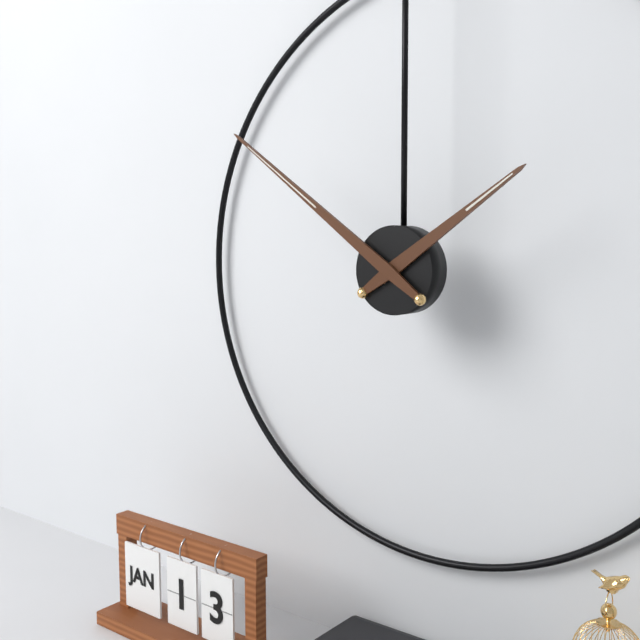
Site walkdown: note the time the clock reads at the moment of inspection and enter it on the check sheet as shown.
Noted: 1:51
